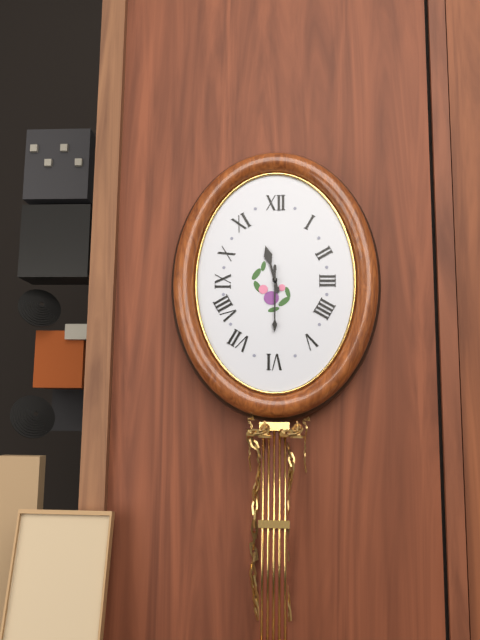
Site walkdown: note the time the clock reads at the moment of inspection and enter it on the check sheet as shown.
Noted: 11:30
